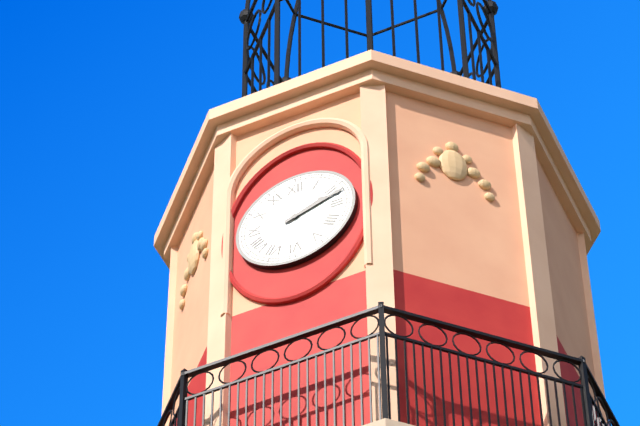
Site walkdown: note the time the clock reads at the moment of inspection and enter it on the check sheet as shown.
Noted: 2:12
